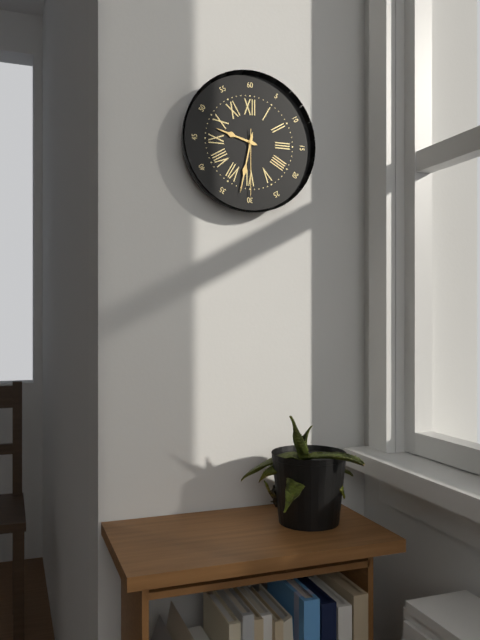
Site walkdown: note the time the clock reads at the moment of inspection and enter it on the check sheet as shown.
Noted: 9:32:30
